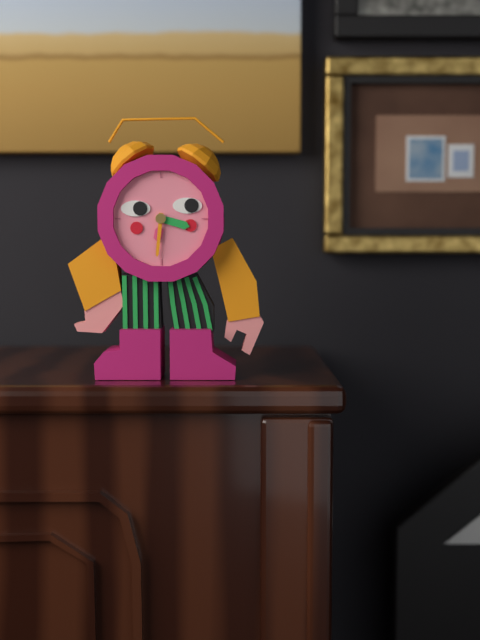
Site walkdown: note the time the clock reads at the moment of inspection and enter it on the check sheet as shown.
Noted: 3:31
